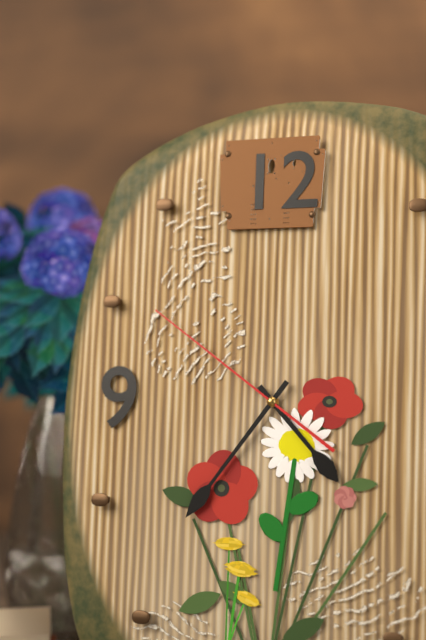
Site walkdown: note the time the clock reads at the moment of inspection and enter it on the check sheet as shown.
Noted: 4:36:51
